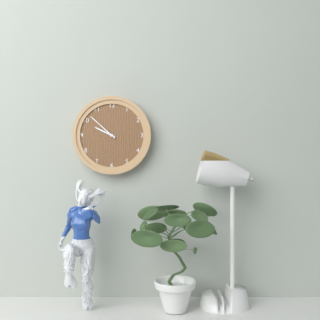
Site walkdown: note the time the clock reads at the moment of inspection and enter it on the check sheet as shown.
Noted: 9:52
